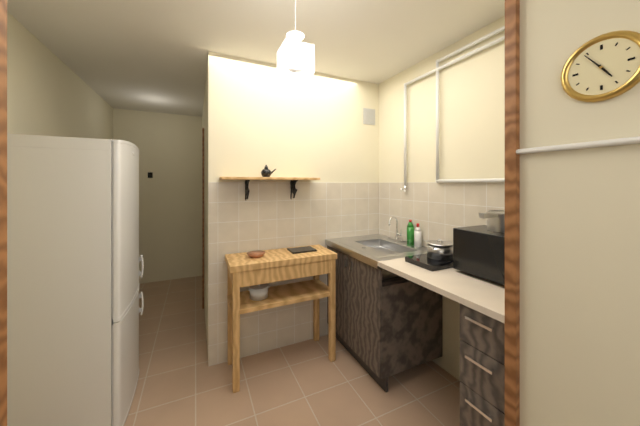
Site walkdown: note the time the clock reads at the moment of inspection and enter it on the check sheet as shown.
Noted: 4:54
